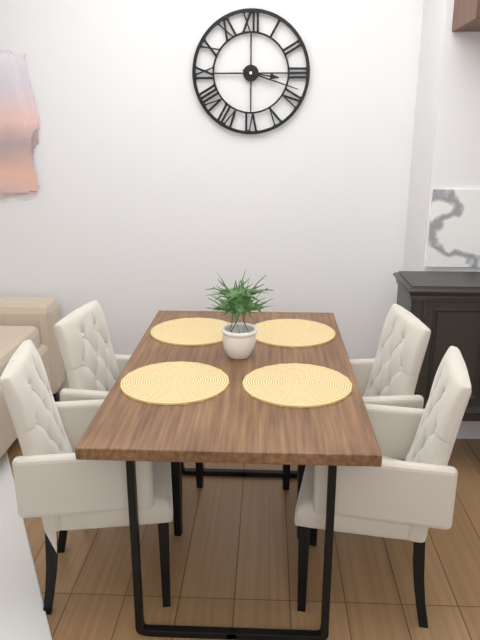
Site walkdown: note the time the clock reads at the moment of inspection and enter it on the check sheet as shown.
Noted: 3:18
